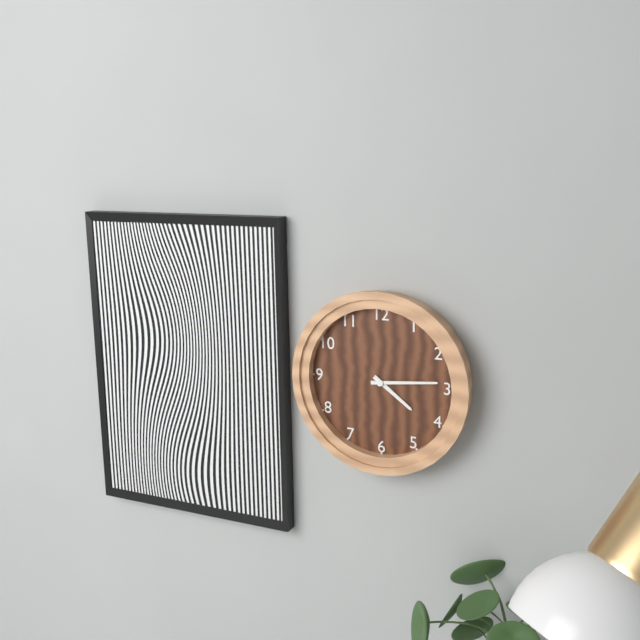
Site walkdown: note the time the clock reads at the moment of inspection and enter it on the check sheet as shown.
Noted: 4:14
